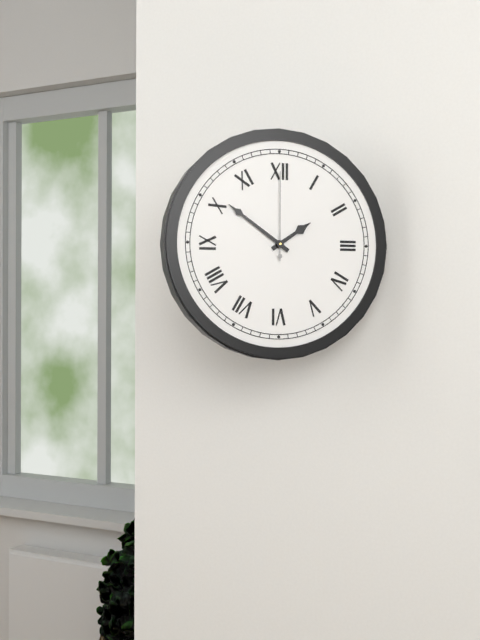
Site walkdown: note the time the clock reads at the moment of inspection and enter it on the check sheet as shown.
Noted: 1:51:00
